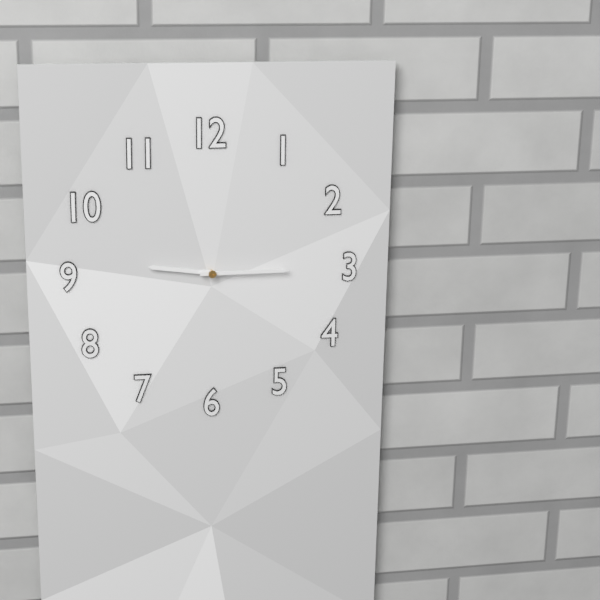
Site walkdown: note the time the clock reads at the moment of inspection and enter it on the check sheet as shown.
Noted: 9:15
